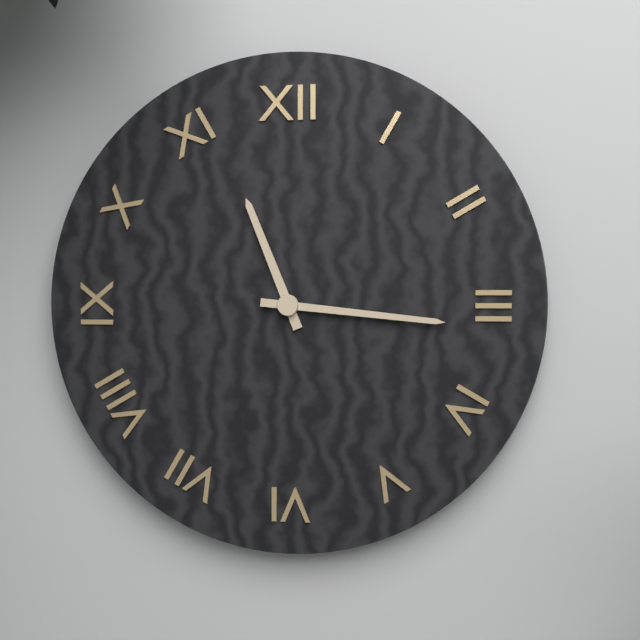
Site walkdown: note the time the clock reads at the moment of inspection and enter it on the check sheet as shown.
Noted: 11:16
